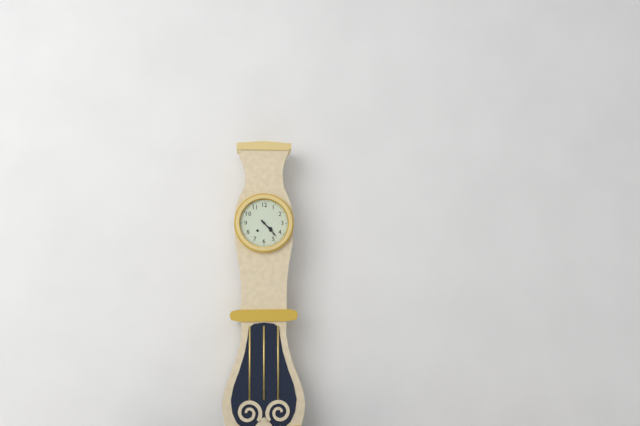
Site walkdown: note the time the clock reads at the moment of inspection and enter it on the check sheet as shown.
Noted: 4:23
